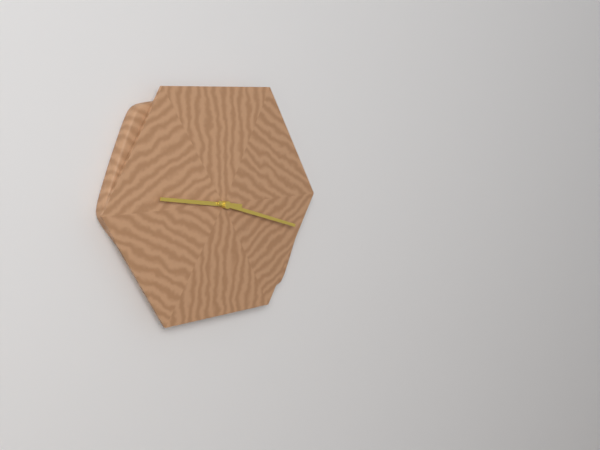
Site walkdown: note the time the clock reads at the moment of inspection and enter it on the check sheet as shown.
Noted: 9:18
